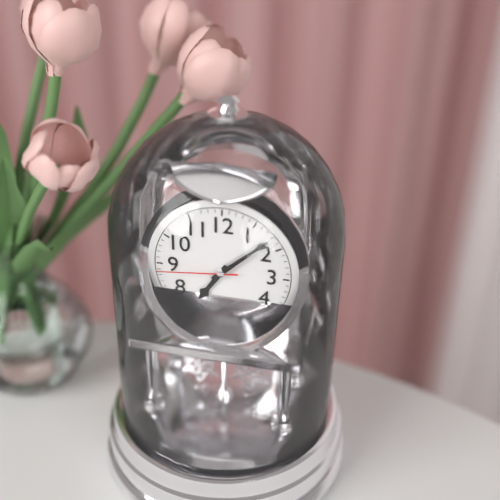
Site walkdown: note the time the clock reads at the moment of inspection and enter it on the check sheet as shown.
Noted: 7:08:44
